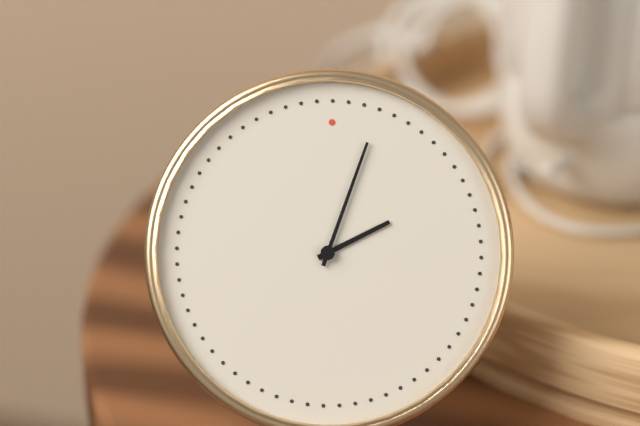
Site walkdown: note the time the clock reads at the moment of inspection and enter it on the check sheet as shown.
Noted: 2:03
